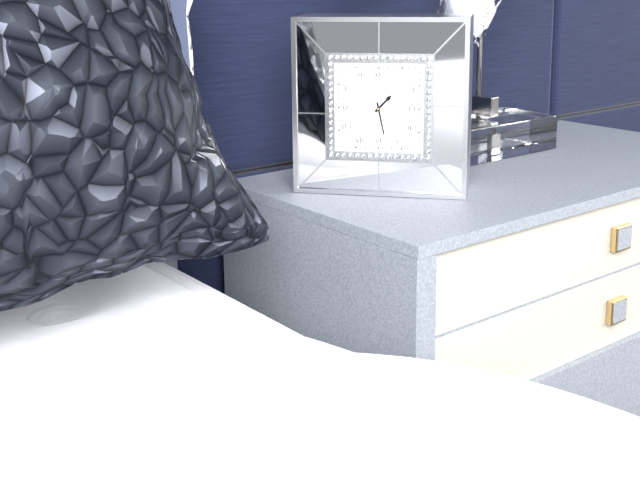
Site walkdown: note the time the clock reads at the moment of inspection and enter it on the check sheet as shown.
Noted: 1:28
